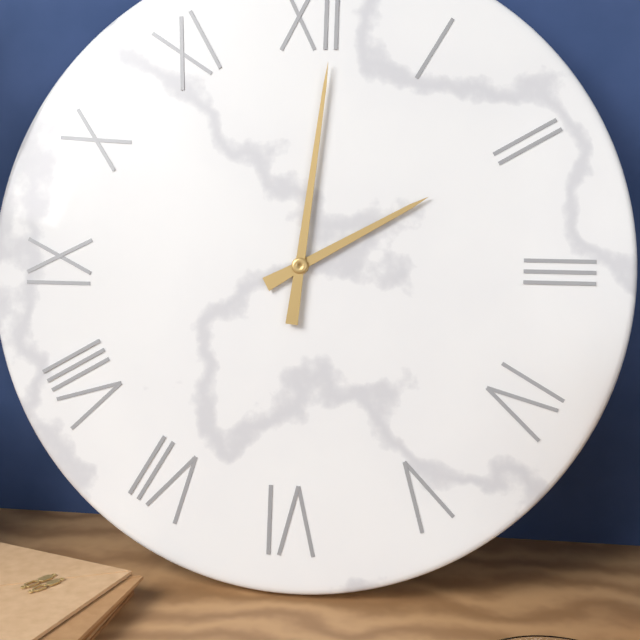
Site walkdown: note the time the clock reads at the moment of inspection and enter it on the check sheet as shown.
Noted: 2:01
